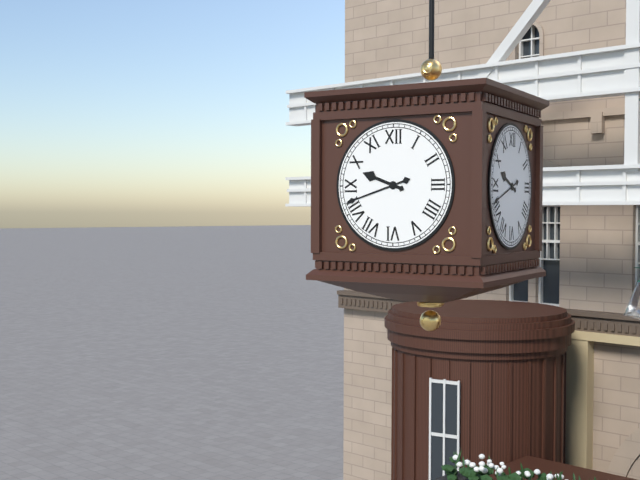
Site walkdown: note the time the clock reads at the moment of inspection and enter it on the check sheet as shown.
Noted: 9:42
